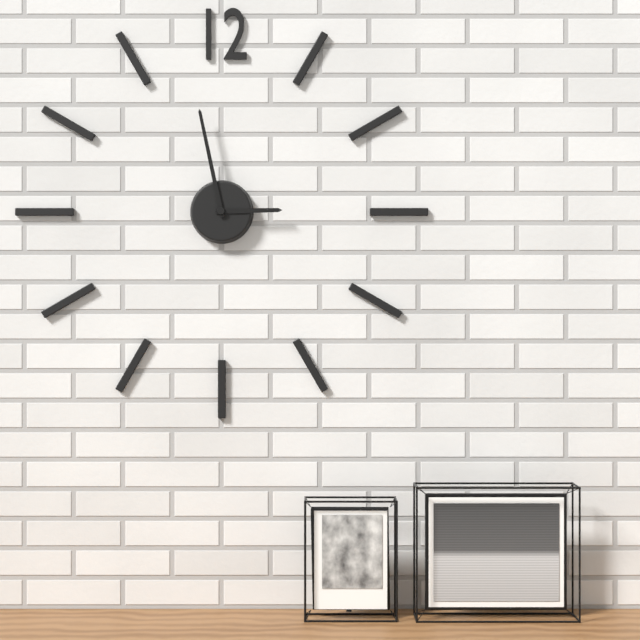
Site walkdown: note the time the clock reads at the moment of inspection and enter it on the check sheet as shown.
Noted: 2:58
